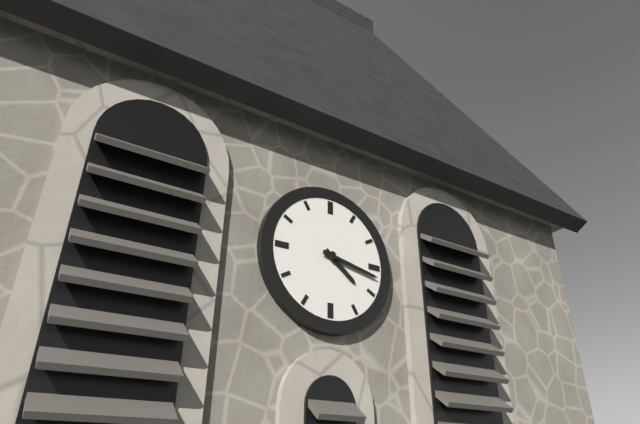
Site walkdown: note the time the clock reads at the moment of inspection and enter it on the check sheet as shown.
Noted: 4:17
